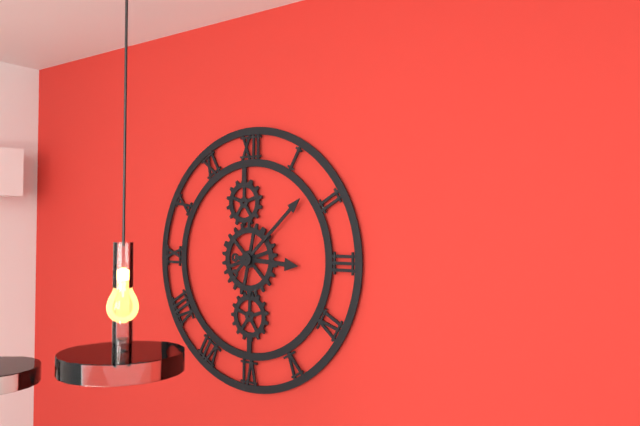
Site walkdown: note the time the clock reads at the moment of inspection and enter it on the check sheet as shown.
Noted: 3:08
